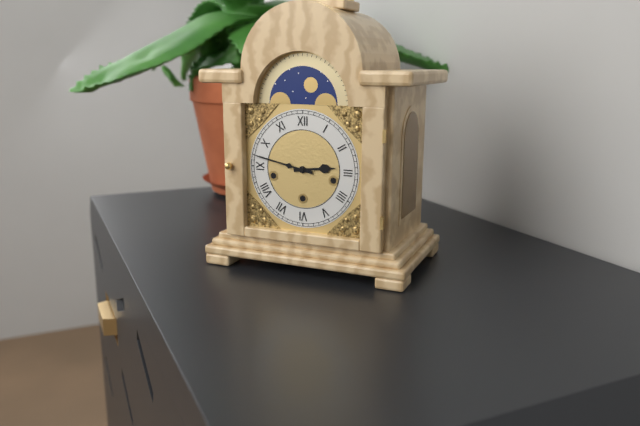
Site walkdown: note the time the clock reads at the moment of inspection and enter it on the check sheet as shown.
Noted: 2:47
